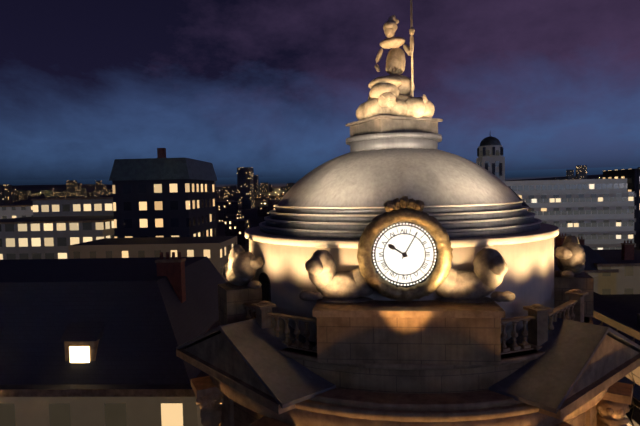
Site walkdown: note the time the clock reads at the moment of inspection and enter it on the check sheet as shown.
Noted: 10:05
